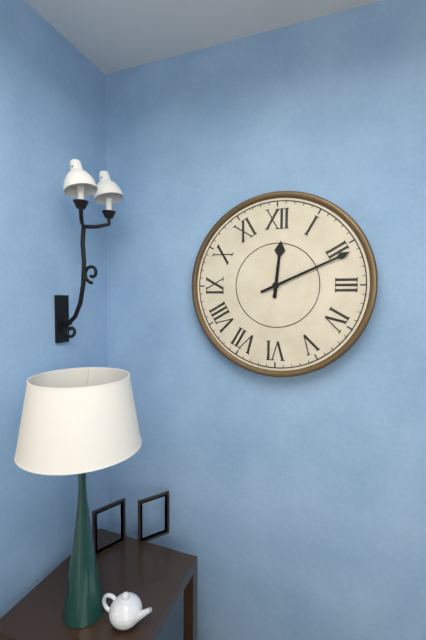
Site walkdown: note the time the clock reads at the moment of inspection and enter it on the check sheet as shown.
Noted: 12:11
